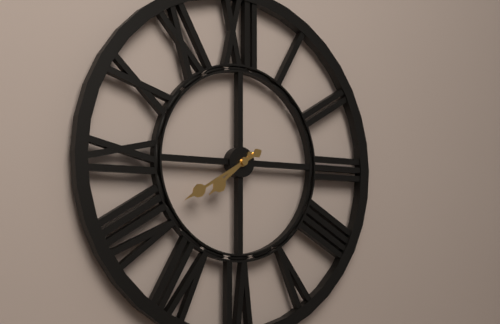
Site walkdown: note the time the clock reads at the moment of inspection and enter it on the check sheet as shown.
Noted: 7:40
